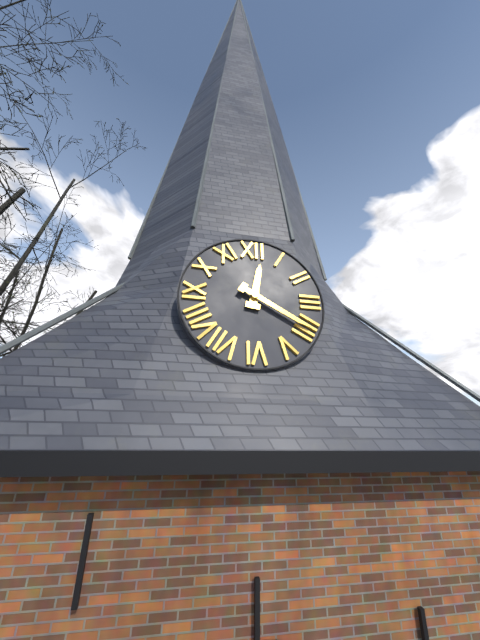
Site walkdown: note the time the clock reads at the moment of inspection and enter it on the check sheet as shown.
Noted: 12:20
